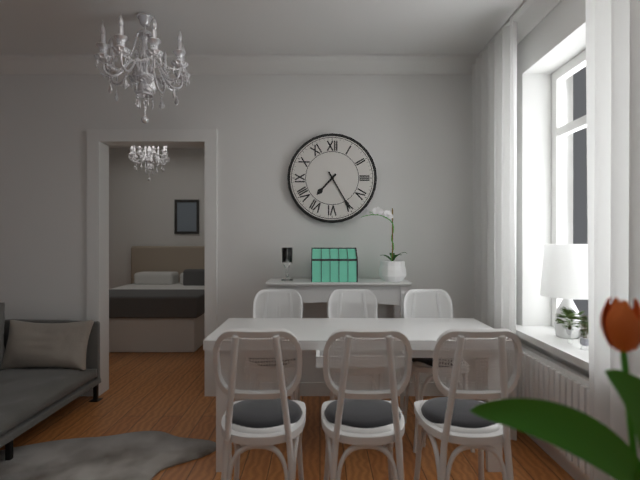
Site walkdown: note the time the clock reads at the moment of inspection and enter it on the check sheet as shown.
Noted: 7:25
